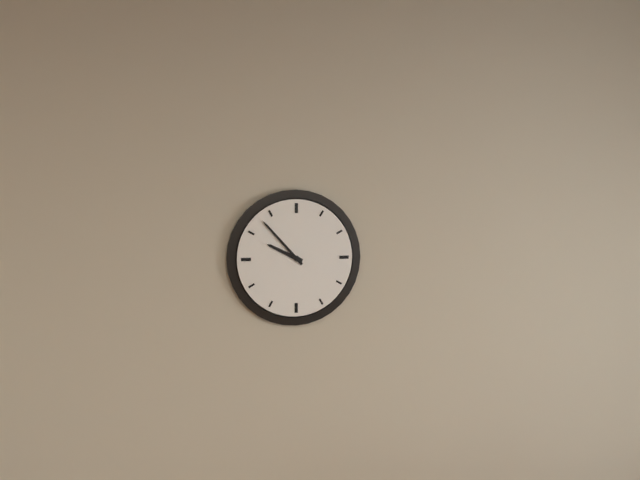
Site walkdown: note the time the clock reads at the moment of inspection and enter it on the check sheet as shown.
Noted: 9:53
